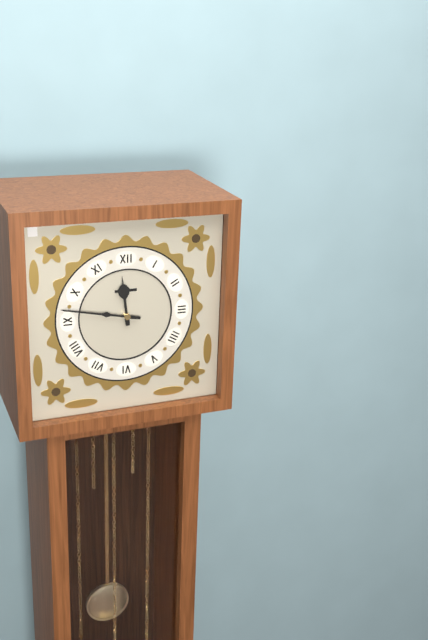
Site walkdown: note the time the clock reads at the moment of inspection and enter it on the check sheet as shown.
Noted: 11:47
